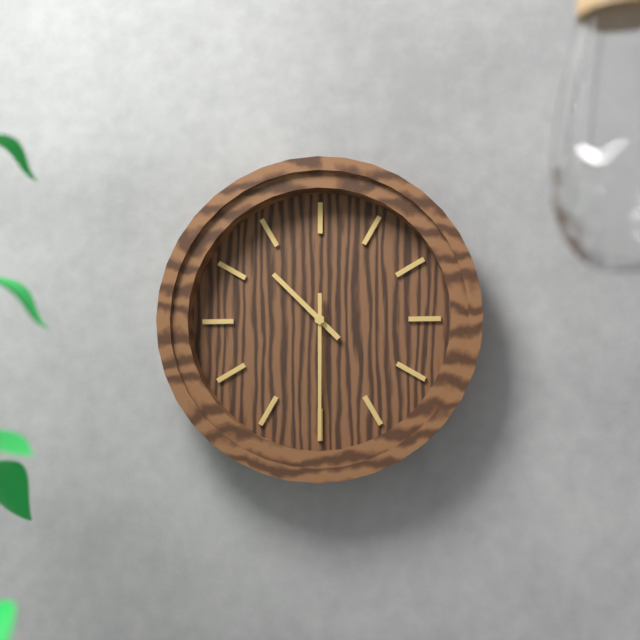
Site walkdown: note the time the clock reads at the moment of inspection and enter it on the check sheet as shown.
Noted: 10:30
